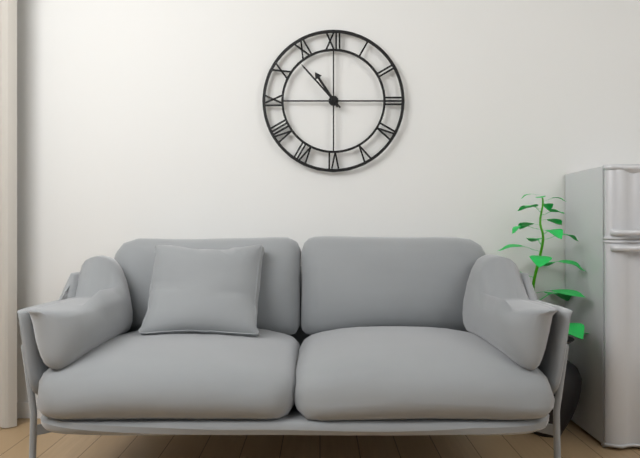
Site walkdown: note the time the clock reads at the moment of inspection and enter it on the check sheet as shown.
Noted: 10:53
